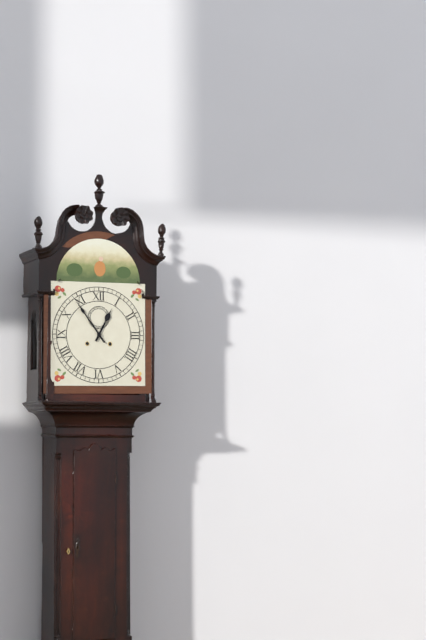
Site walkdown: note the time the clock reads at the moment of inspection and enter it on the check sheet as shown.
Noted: 12:54
